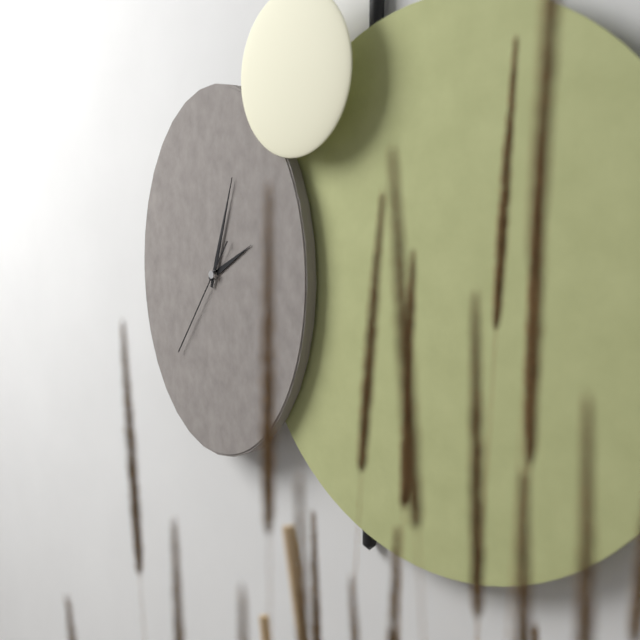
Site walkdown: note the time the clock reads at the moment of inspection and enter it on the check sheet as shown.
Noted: 2:03:36
